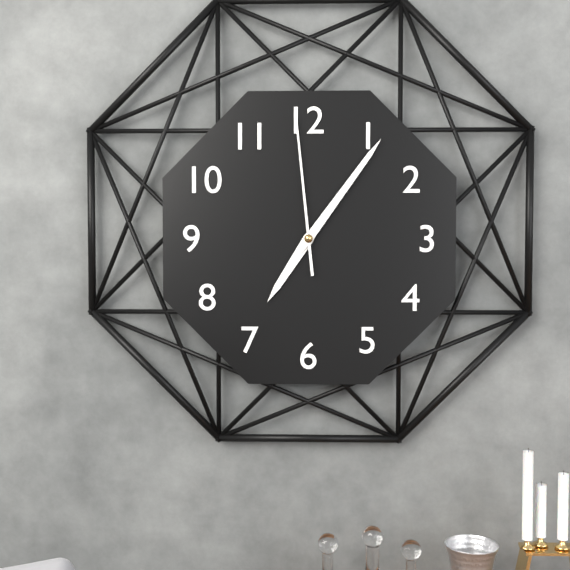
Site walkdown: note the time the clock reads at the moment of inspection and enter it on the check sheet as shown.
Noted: 7:06:59
